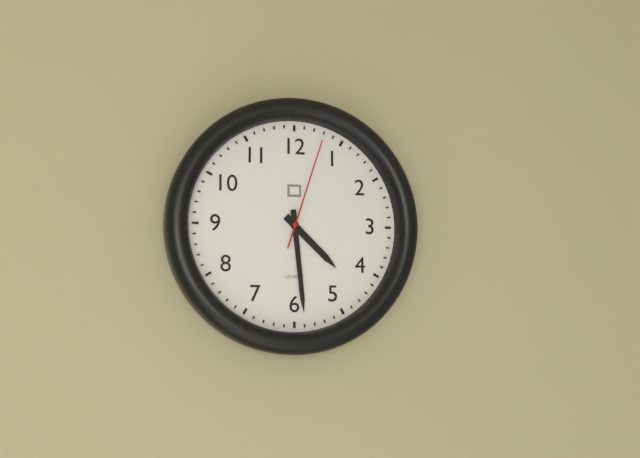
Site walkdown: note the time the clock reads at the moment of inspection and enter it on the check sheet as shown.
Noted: 4:29:03
